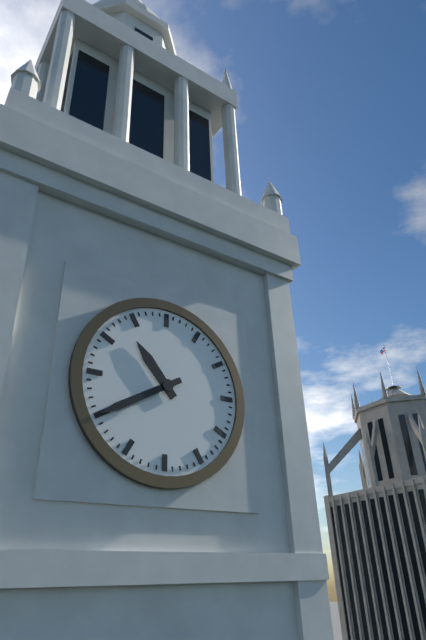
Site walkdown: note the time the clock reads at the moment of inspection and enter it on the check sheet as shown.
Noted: 10:40
